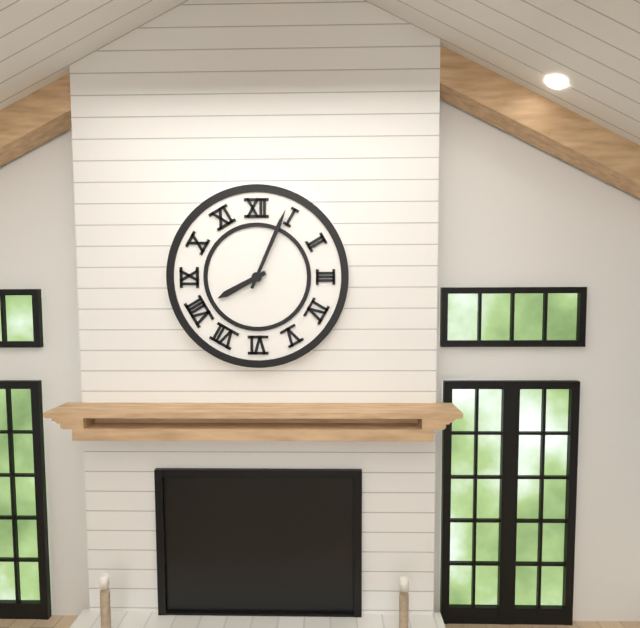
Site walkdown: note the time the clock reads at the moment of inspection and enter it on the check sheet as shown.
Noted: 8:04
